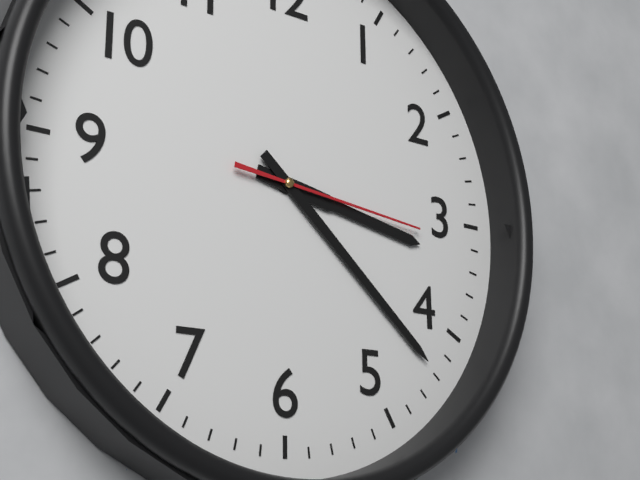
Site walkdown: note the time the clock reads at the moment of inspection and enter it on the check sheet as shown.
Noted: 3:22:16
